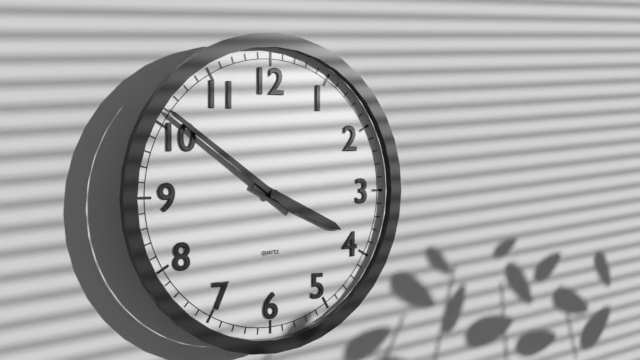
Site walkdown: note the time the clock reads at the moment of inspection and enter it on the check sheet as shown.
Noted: 3:51
